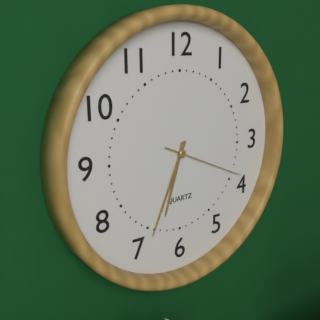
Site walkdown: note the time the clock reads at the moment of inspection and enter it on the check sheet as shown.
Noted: 6:34:19
